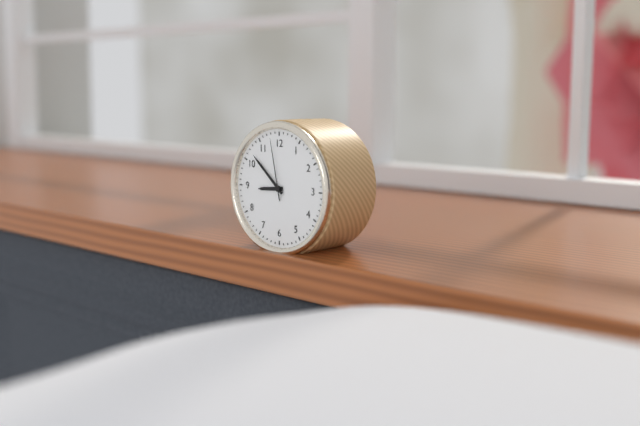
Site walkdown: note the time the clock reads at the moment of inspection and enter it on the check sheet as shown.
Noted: 8:52:58
